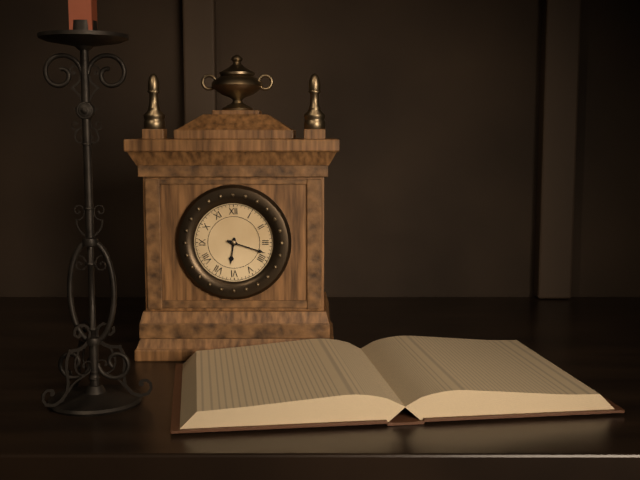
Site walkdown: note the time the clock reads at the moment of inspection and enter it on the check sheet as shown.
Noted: 6:18
